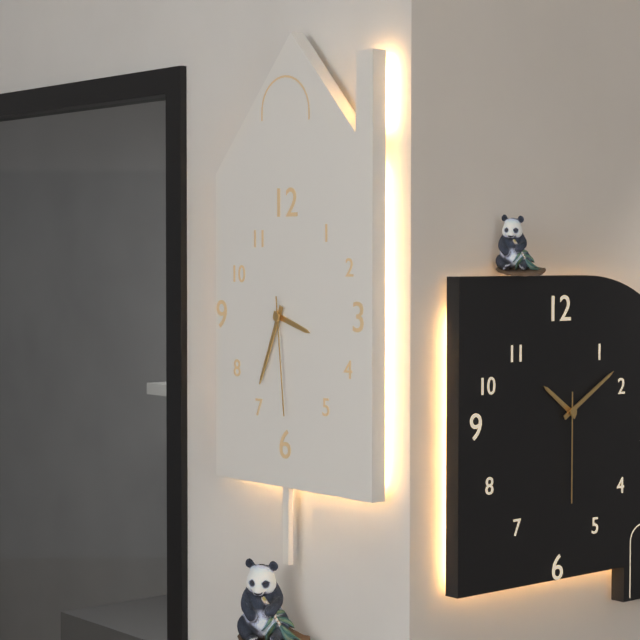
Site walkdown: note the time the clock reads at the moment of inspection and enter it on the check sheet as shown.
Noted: 3:34:29
